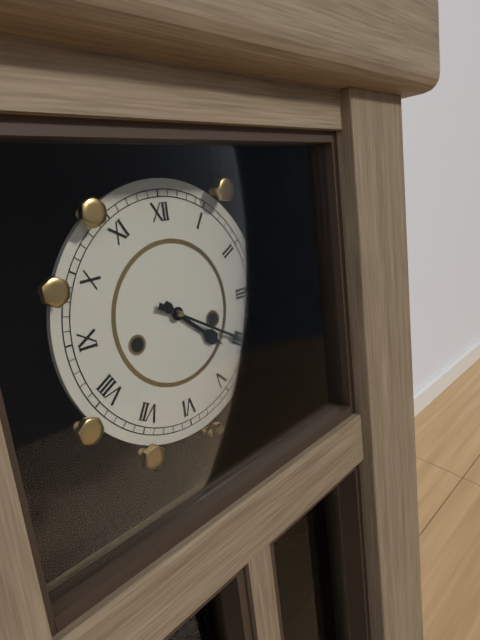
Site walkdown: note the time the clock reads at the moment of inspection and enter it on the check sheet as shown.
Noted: 4:20
